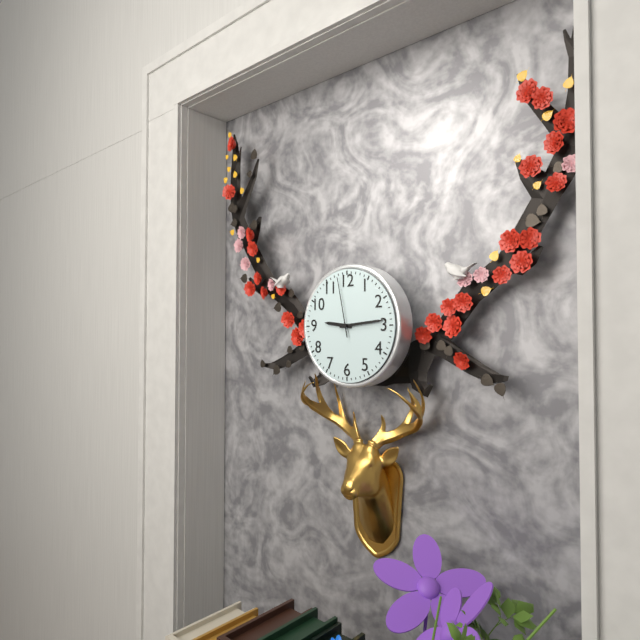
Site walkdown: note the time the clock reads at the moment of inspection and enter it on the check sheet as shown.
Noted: 9:14:58
